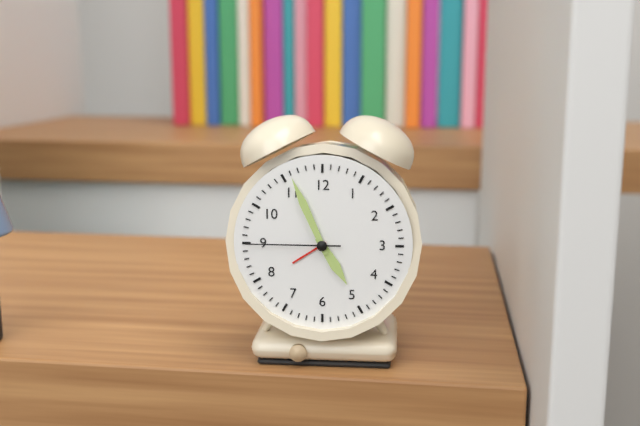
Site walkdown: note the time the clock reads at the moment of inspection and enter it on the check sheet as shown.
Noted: 4:56:45
